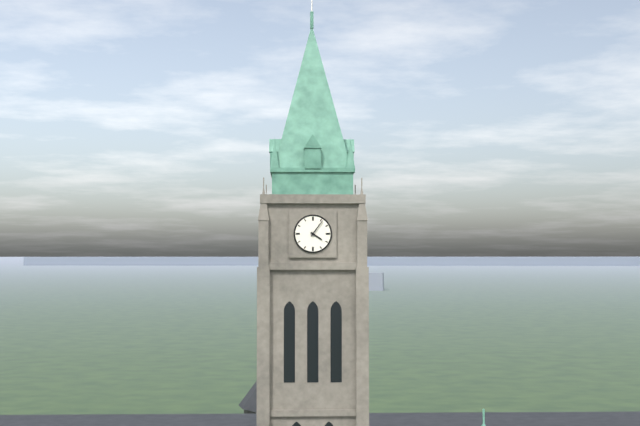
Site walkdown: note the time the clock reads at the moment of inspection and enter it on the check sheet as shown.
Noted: 4:06
